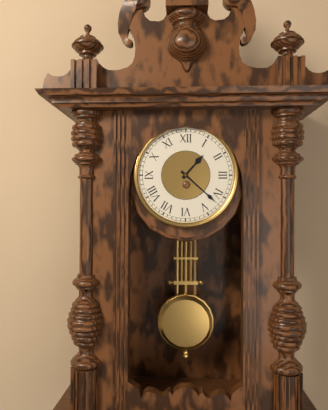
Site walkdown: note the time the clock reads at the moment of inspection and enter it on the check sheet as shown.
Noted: 1:22
